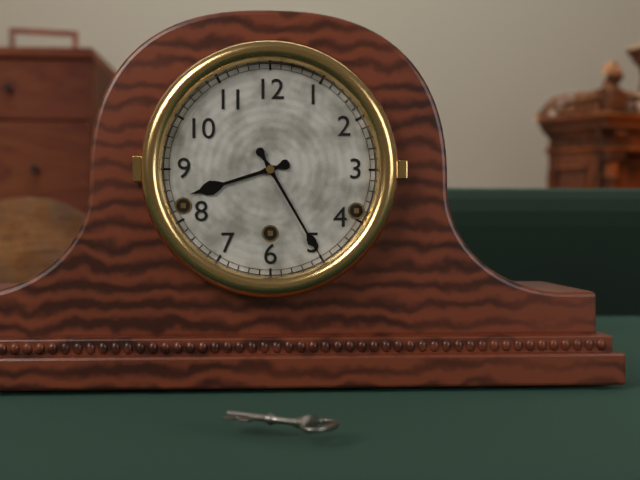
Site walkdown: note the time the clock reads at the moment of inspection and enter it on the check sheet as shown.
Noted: 8:25
